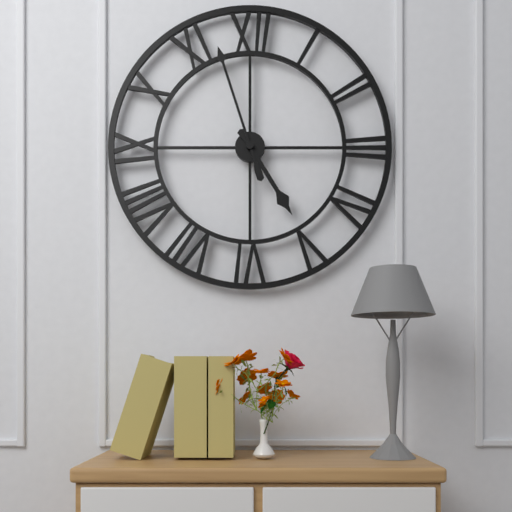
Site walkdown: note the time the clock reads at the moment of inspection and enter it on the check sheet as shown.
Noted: 4:57
